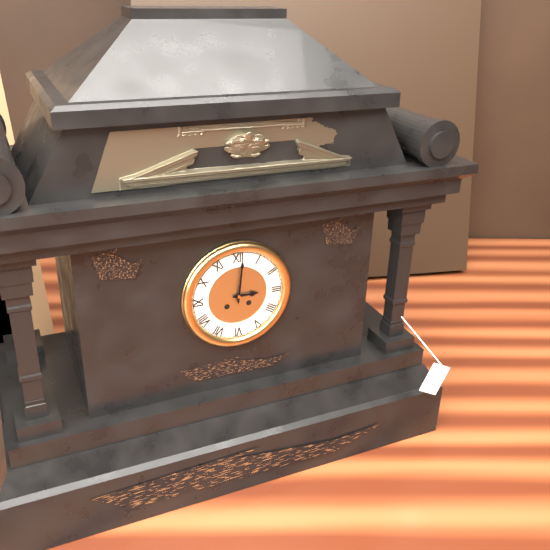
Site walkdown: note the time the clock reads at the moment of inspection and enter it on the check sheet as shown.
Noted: 3:01
